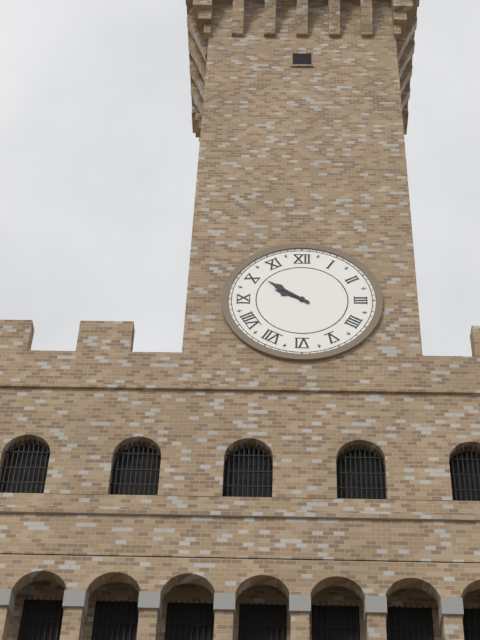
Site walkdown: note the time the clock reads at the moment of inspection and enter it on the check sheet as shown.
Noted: 9:51
